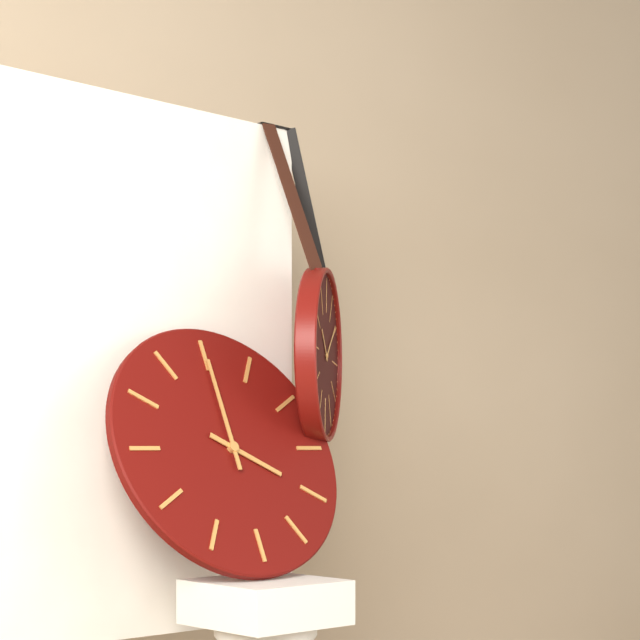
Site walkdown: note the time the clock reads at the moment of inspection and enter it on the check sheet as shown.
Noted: 4:00
